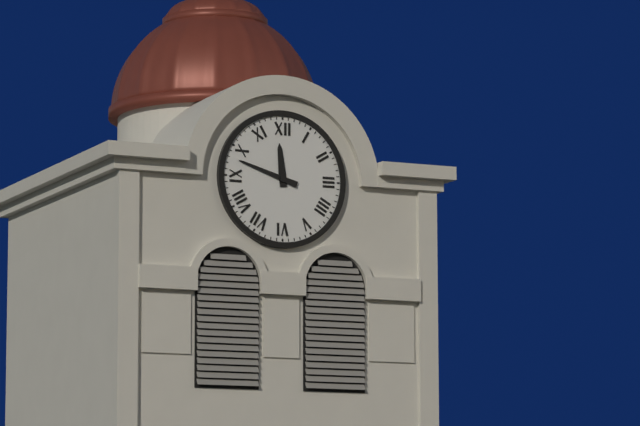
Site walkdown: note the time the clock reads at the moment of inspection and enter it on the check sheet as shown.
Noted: 11:48
